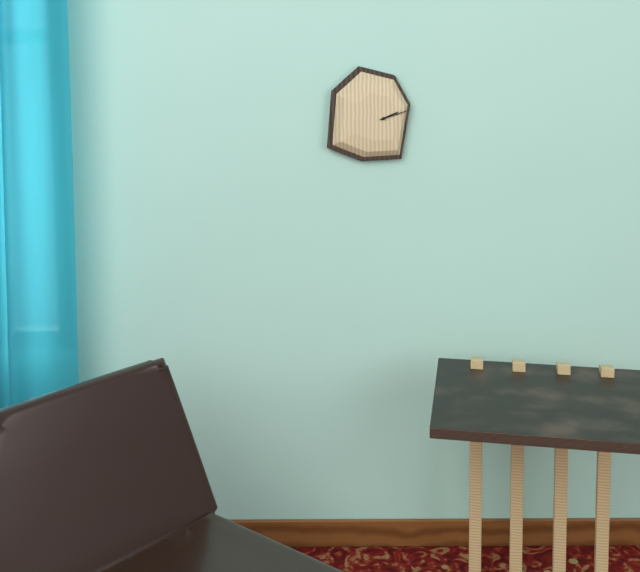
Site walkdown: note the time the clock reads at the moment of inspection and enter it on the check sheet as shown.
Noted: 2:12
